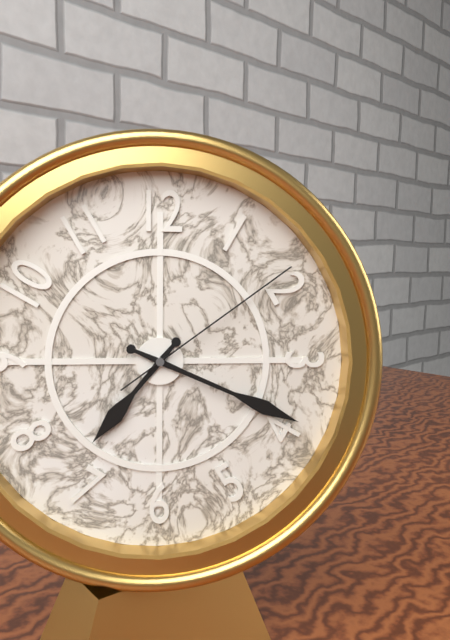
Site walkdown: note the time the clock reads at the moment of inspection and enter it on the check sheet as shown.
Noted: 7:19:09
